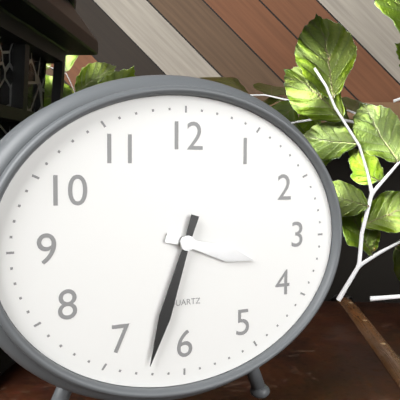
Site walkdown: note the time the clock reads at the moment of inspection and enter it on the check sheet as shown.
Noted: 3:33
